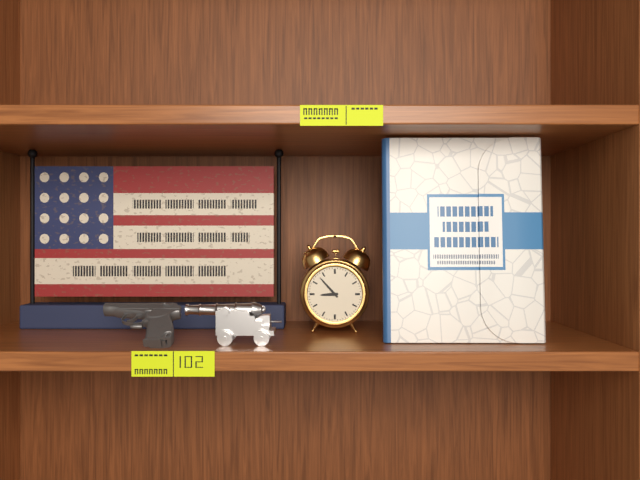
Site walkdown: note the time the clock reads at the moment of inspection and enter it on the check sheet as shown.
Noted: 8:53
